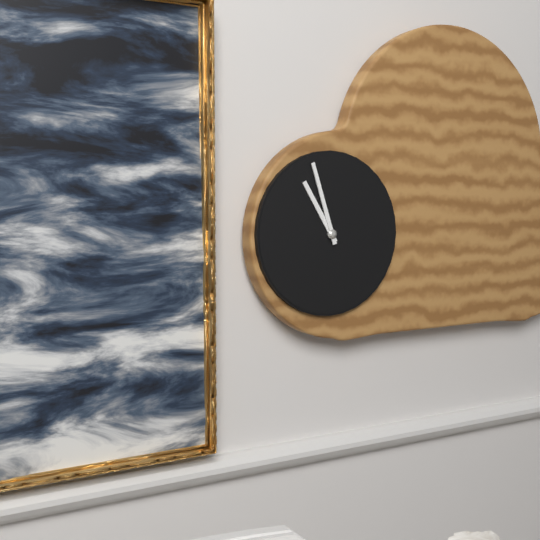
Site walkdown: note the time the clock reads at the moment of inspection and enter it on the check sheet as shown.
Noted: 10:57
